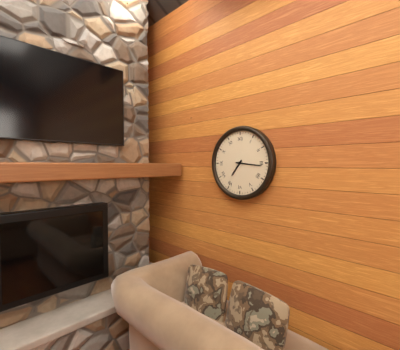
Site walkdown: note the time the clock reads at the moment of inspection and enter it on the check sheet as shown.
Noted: 7:16
